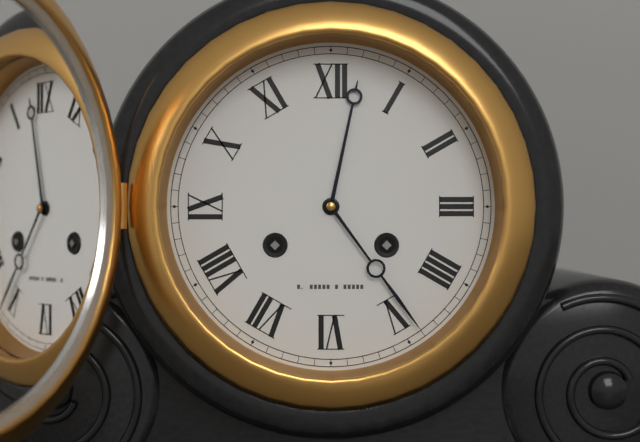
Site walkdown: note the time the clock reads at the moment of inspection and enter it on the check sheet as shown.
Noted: 12:24
